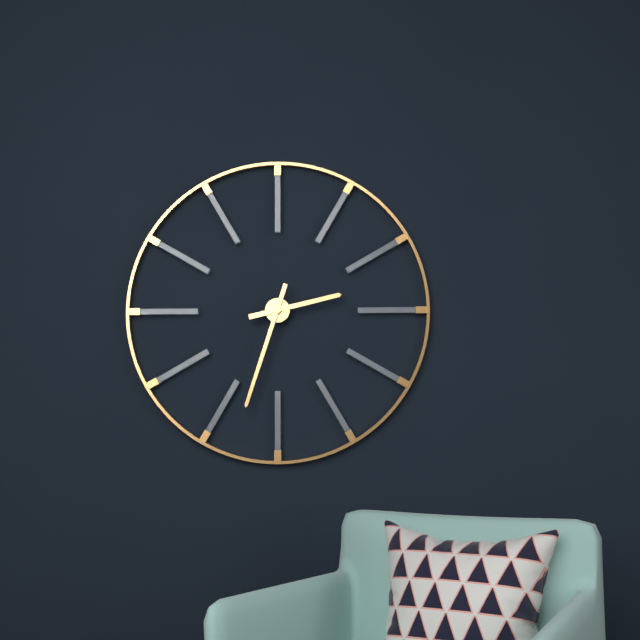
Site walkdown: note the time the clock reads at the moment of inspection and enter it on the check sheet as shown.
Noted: 2:33
